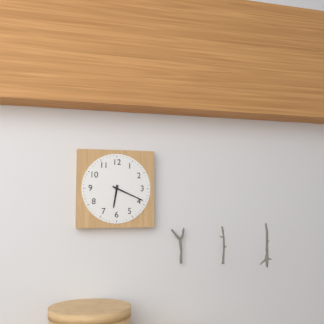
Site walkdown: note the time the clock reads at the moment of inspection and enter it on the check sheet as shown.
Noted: 6:19
